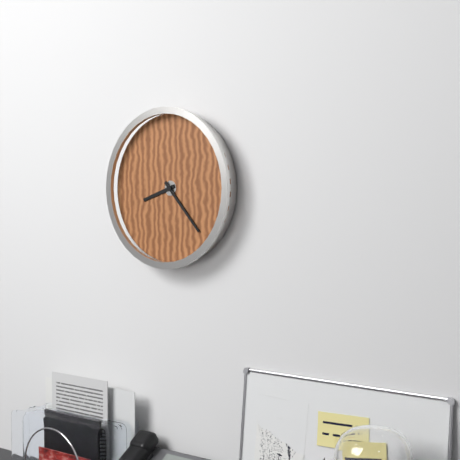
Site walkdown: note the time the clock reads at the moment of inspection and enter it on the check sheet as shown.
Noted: 8:23
